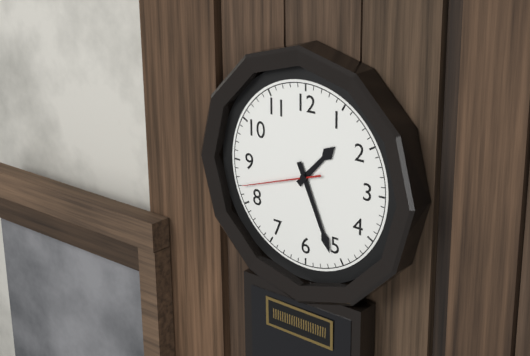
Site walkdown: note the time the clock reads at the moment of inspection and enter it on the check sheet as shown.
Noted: 1:26:42
